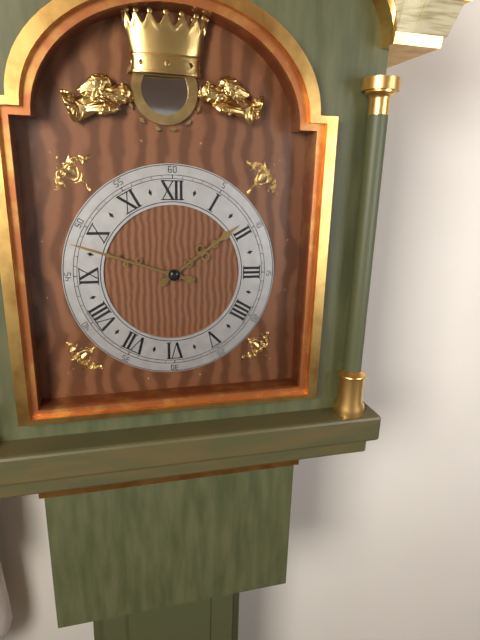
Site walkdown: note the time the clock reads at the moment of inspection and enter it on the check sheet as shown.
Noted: 1:48
